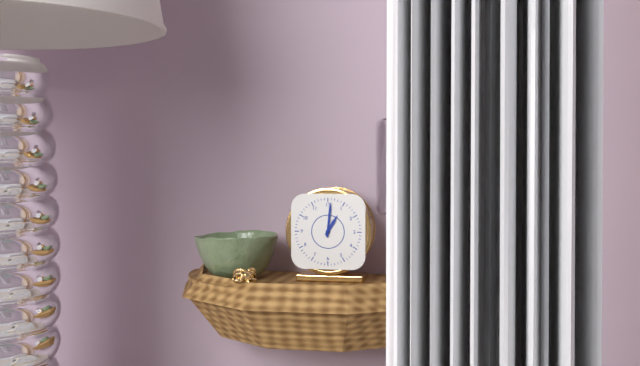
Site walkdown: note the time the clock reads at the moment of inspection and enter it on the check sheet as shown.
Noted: 1:01
